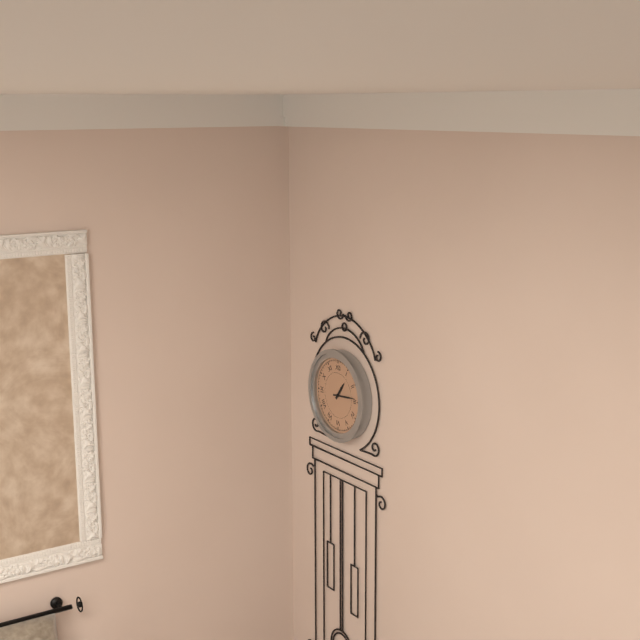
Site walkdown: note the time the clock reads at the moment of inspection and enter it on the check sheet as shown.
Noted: 1:14
